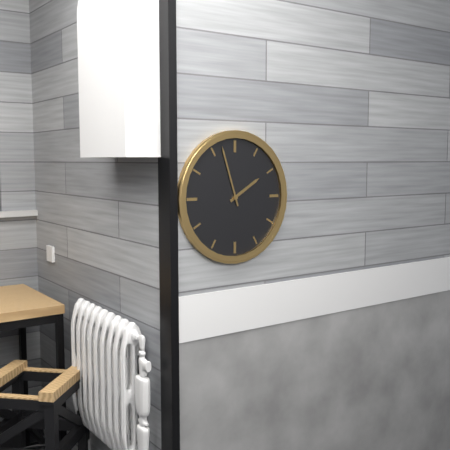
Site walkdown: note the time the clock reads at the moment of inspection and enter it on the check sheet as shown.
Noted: 1:57
